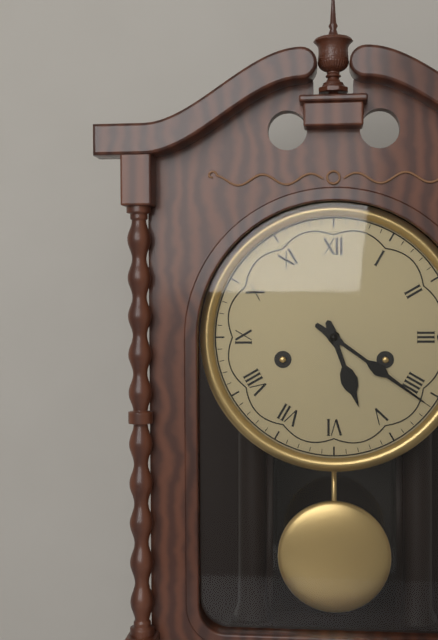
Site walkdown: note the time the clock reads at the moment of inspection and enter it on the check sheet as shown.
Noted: 5:21
